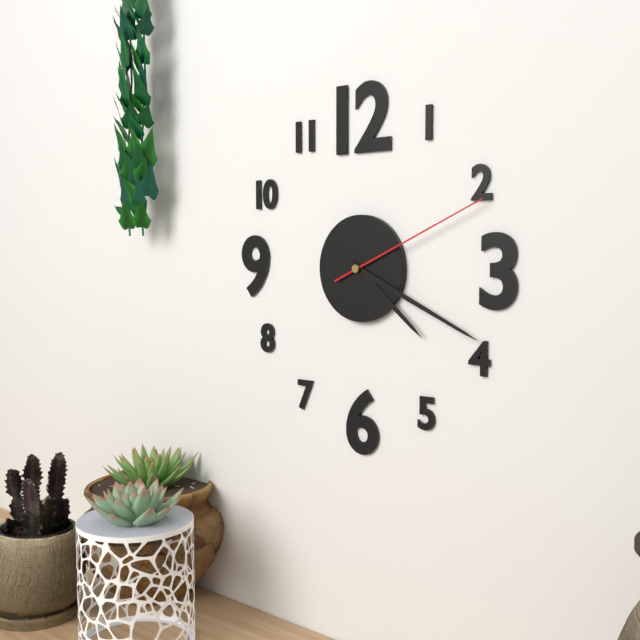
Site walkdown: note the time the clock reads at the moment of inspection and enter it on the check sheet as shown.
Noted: 4:19:11
